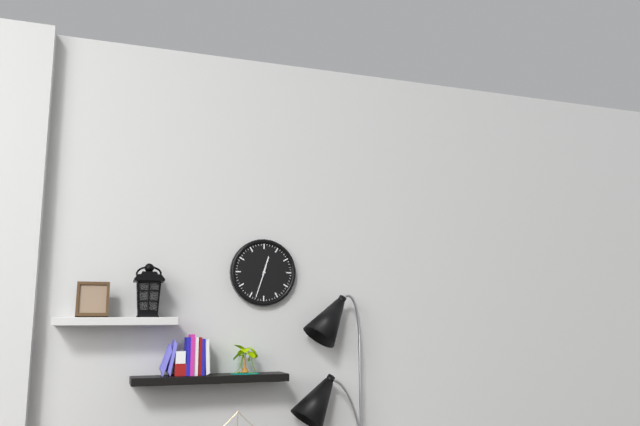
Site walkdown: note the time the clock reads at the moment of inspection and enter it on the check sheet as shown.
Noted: 12:33
